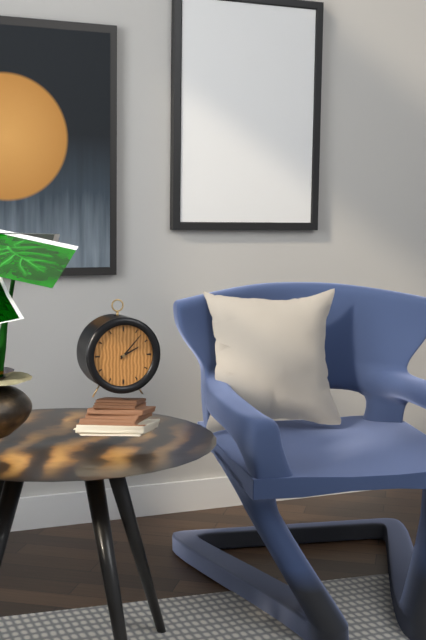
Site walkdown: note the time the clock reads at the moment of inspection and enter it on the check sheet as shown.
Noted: 2:07
